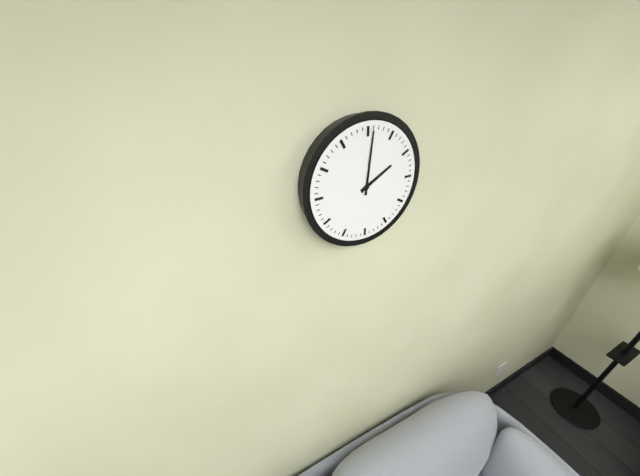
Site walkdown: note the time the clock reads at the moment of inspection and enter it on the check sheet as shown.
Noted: 2:01
